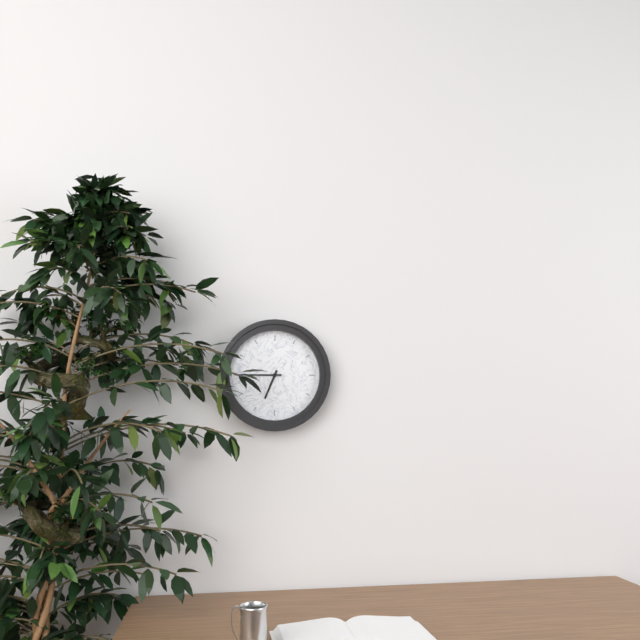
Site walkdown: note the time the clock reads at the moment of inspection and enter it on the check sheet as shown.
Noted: 6:45
